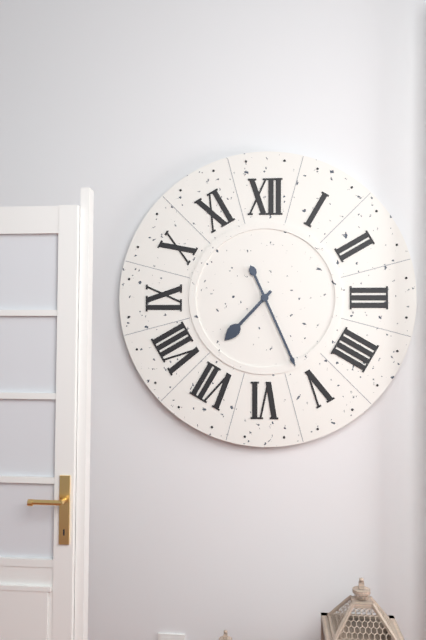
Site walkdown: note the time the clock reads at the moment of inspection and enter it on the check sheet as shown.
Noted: 7:26
